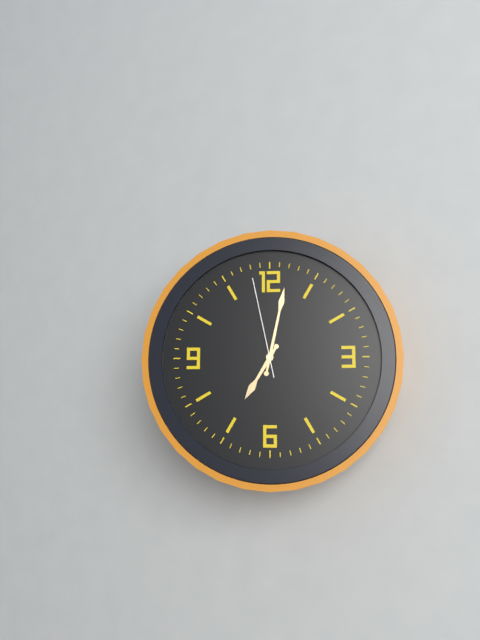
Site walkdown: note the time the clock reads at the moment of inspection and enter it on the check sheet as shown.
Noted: 7:02:58
